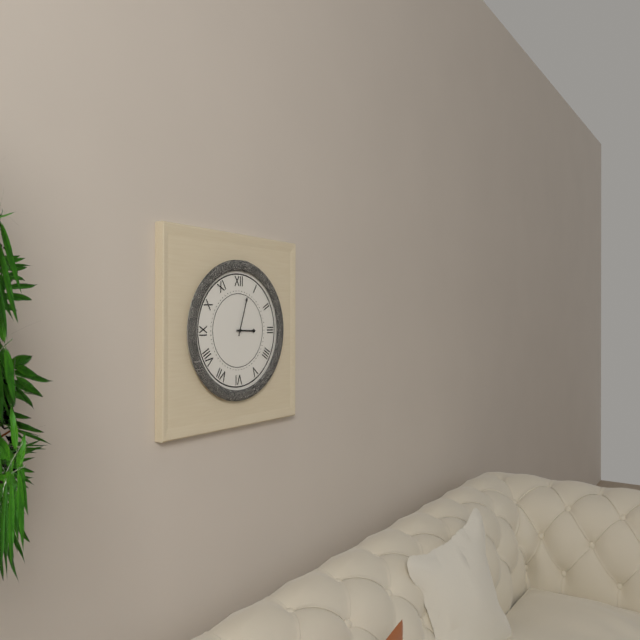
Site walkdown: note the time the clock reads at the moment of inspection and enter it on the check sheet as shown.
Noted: 3:03
